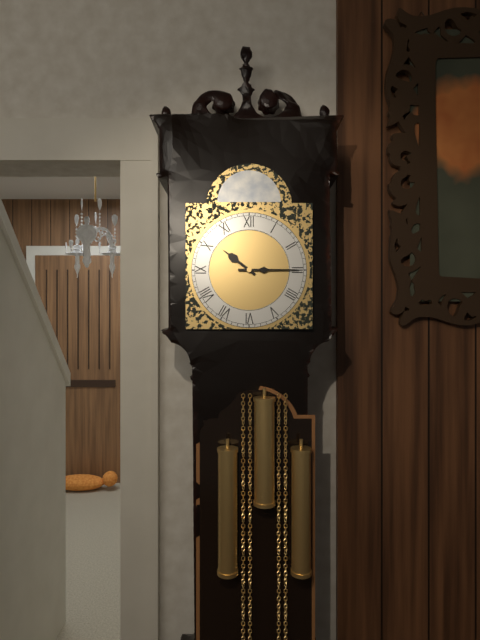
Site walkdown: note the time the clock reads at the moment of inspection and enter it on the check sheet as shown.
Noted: 10:15
